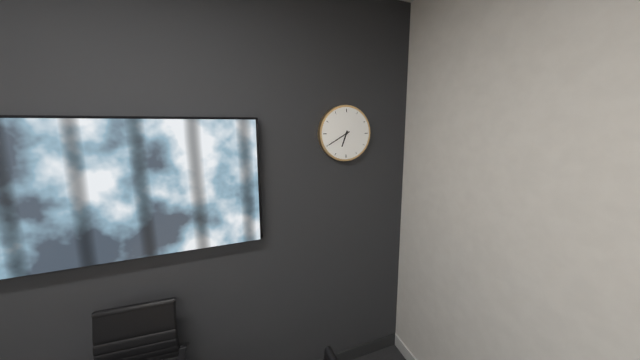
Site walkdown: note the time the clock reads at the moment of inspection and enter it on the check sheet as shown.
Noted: 6:40
